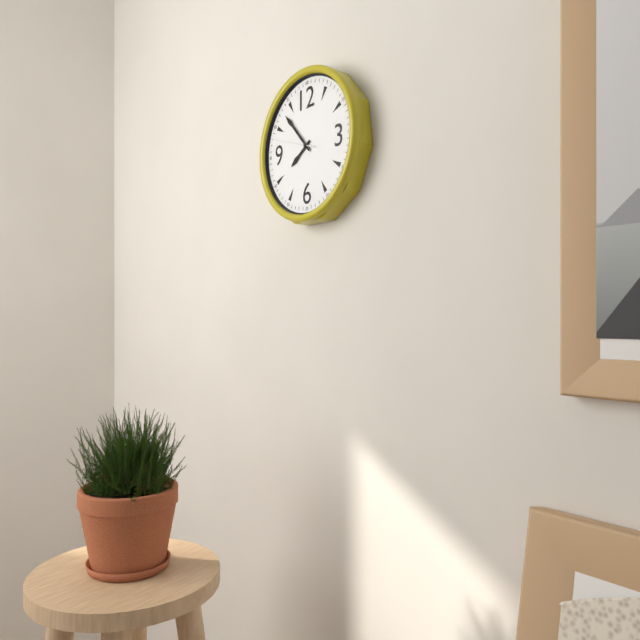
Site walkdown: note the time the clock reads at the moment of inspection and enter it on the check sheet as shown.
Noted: 7:53
